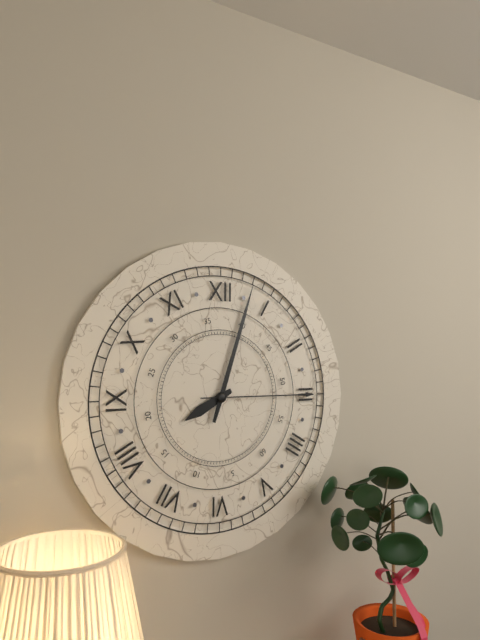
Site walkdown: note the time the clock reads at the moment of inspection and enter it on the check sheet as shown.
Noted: 8:03:15
